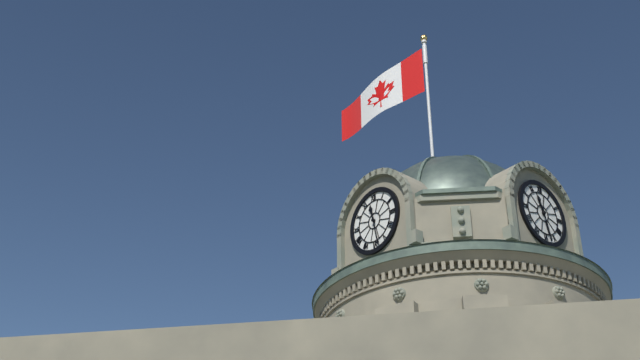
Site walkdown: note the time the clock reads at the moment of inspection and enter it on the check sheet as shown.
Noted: 11:28
